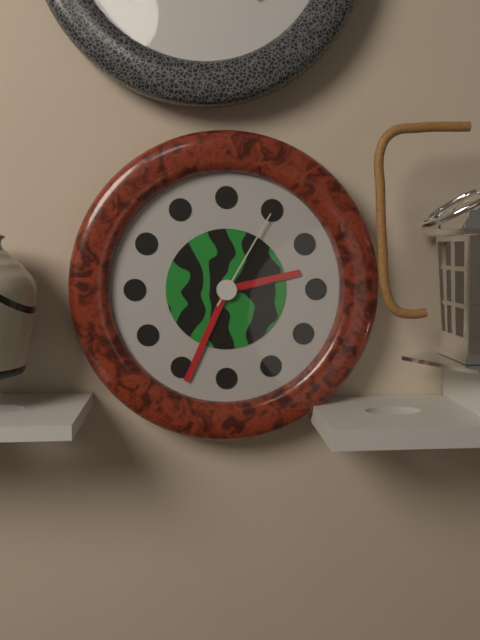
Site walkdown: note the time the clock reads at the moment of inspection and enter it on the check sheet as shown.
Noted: 2:34:05
